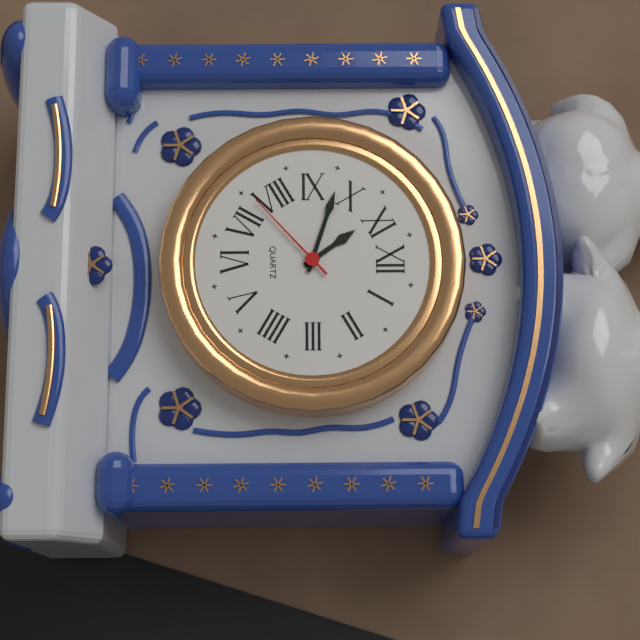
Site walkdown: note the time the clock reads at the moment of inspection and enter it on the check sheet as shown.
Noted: 10:48:38
